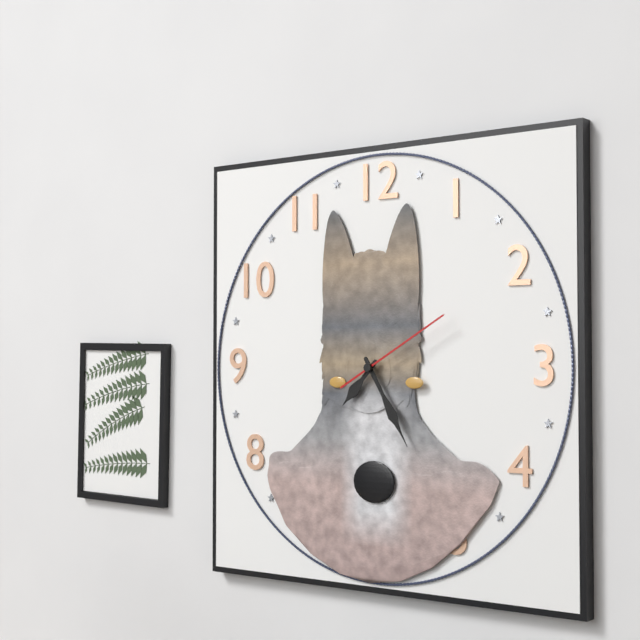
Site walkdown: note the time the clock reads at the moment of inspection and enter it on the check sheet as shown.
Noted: 7:25:10
